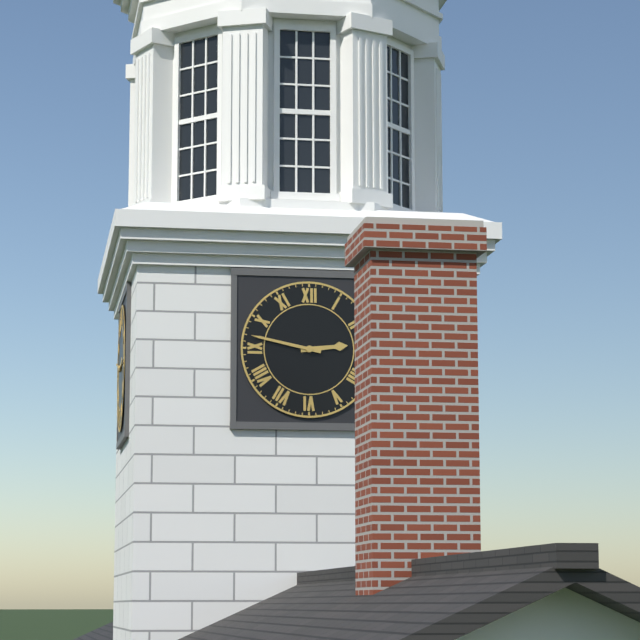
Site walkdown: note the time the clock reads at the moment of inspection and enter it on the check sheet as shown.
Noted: 2:47
